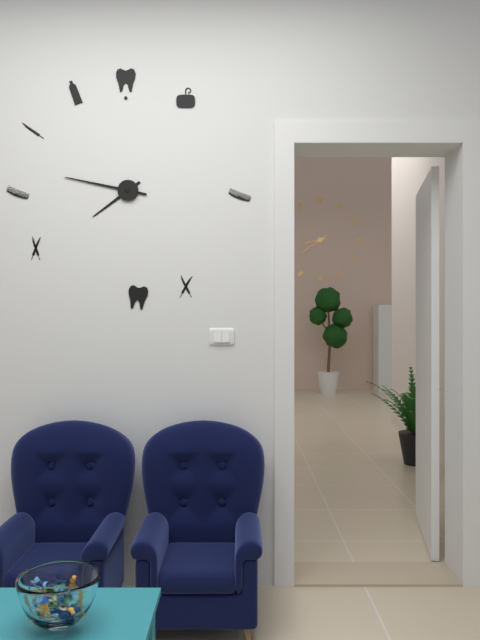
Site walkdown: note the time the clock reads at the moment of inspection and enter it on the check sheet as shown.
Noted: 7:47
